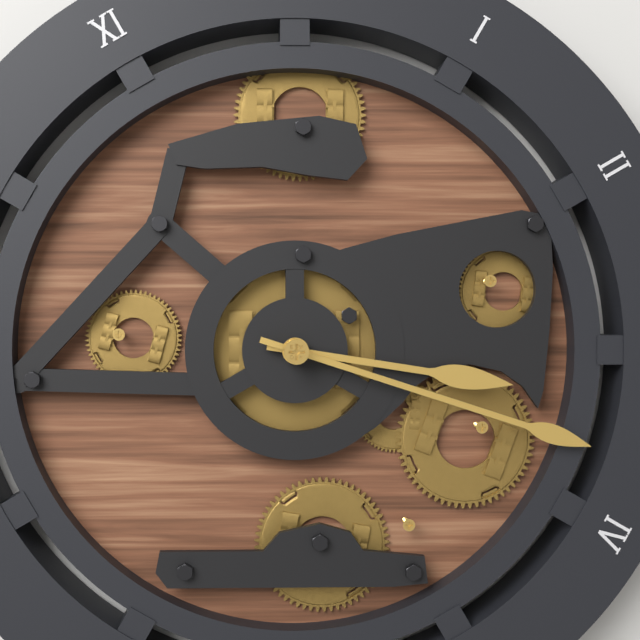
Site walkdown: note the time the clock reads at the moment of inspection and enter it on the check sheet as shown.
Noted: 3:18
